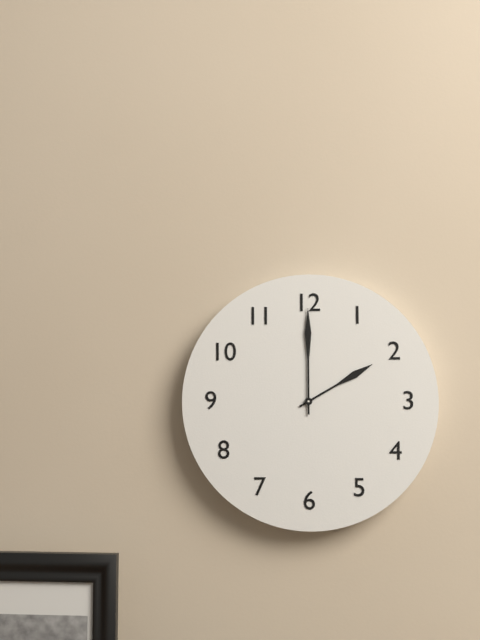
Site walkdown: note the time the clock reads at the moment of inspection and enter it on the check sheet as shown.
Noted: 2:00
